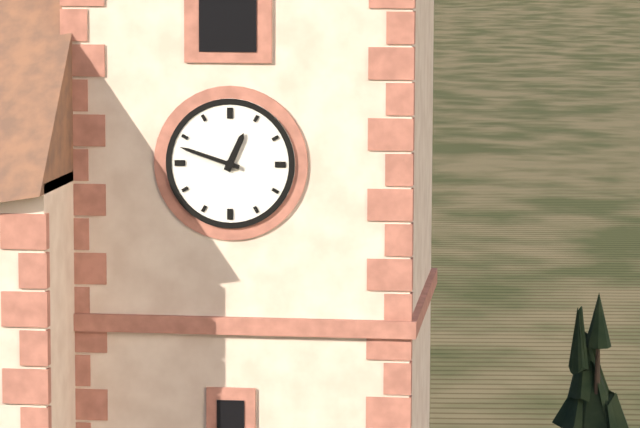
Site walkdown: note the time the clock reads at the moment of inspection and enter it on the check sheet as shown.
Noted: 12:48
